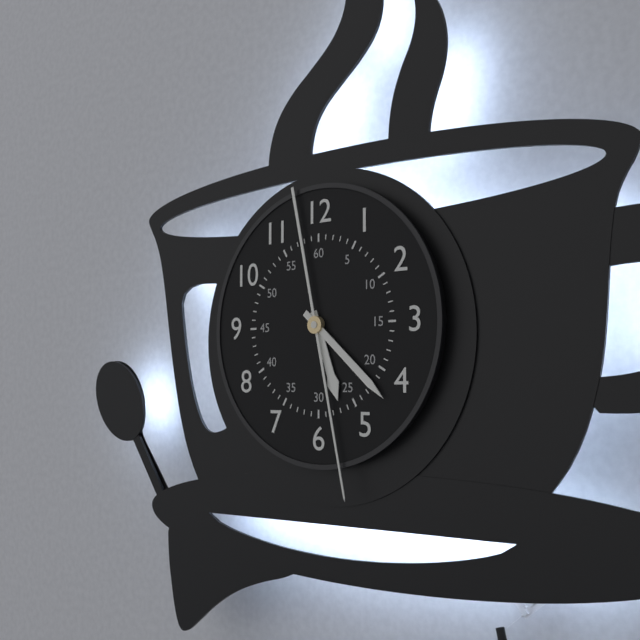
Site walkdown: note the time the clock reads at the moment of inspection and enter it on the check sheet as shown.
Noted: 5:22:28
